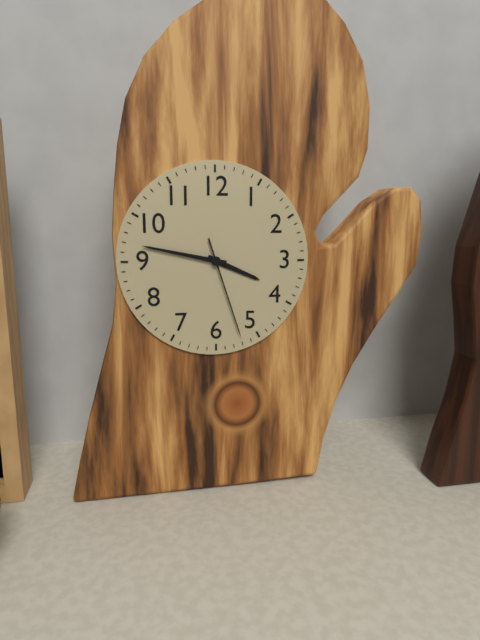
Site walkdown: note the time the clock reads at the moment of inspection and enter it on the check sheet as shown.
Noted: 3:47:27
